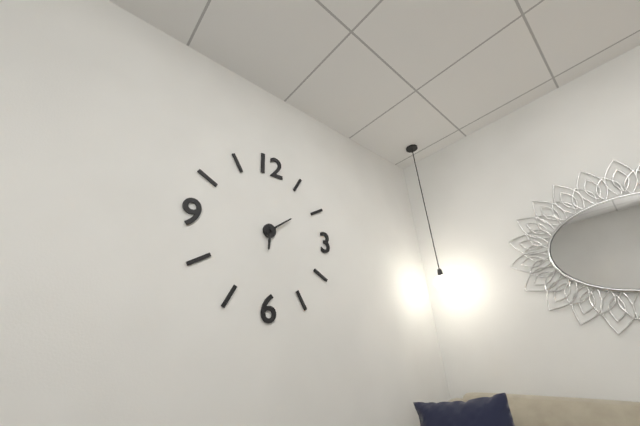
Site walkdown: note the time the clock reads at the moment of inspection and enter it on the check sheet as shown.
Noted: 6:09
